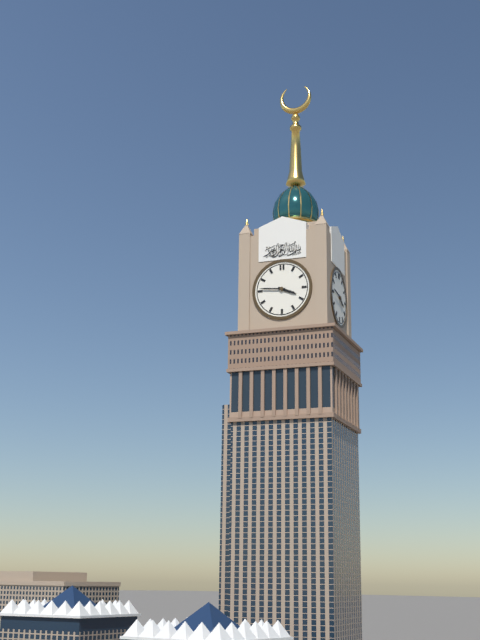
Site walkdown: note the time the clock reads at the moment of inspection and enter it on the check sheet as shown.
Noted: 3:46
